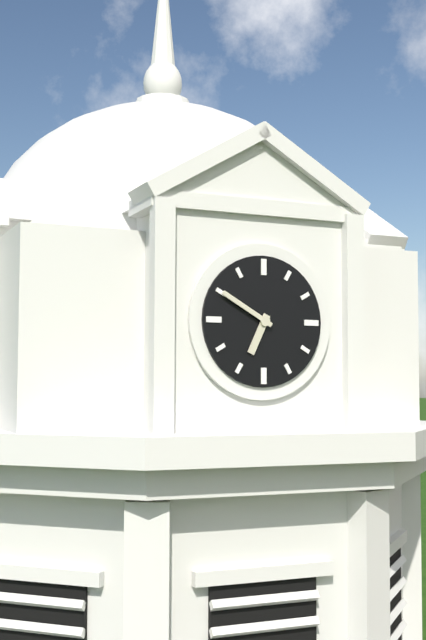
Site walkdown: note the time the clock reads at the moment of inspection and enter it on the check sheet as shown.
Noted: 6:50
